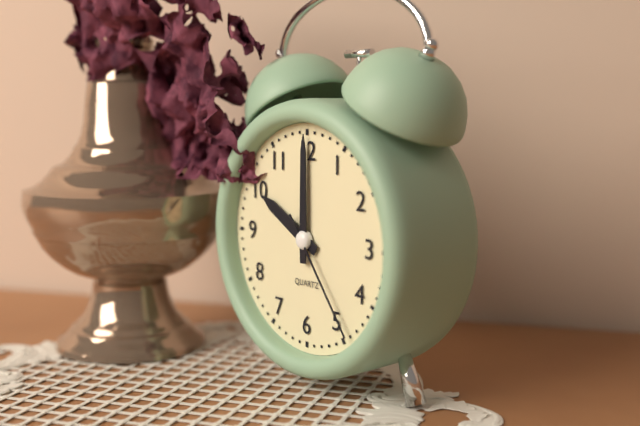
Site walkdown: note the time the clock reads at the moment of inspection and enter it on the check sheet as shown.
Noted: 10:00:24
